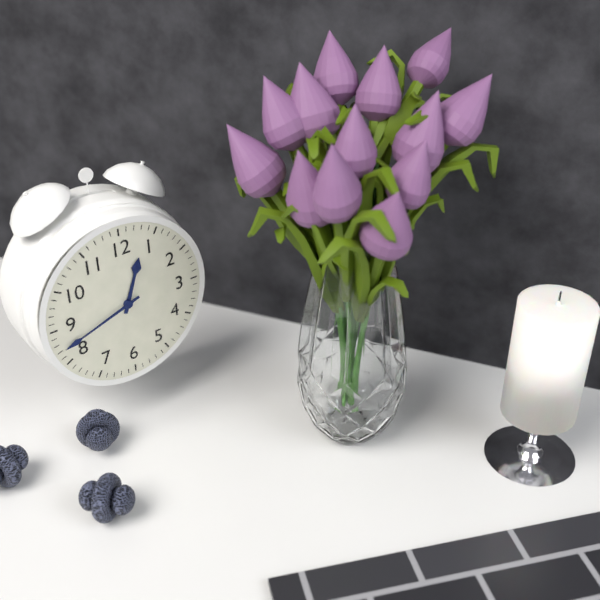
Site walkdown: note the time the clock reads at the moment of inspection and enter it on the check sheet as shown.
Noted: 12:42
